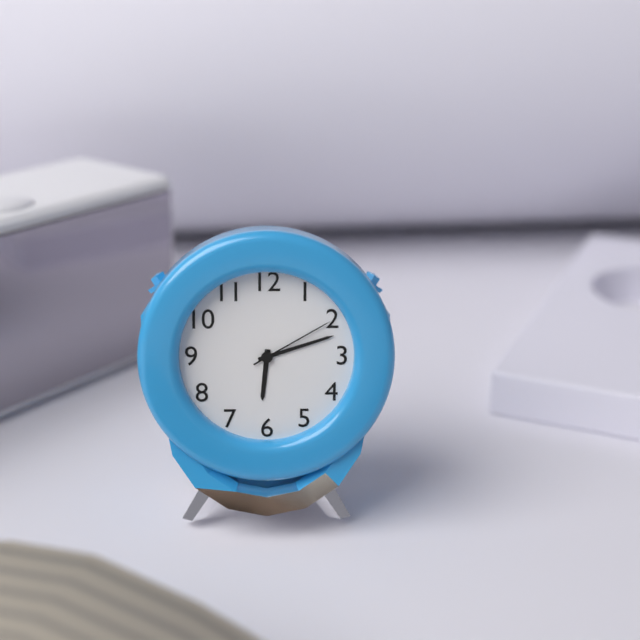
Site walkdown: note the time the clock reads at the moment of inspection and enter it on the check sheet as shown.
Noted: 6:12:10
